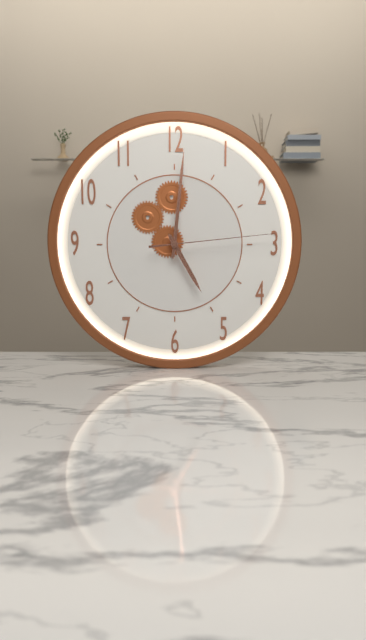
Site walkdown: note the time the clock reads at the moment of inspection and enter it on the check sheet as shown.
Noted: 5:01:14
